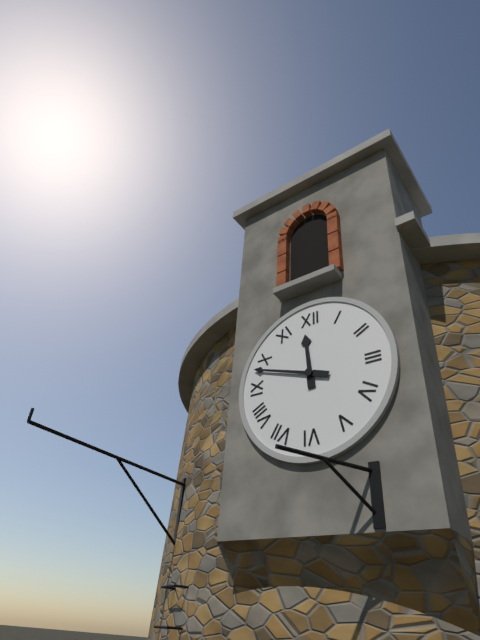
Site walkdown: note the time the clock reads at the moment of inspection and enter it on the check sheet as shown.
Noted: 11:48
